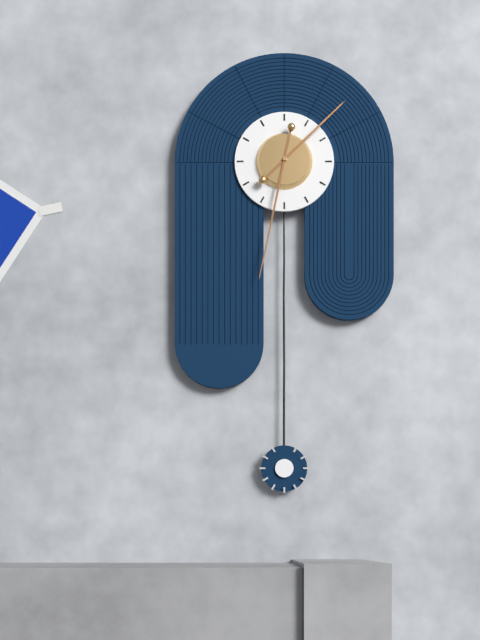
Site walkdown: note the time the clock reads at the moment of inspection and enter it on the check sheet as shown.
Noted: 1:32
